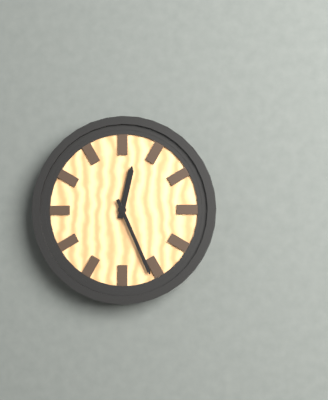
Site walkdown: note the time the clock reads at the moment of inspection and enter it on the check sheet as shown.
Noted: 12:26
